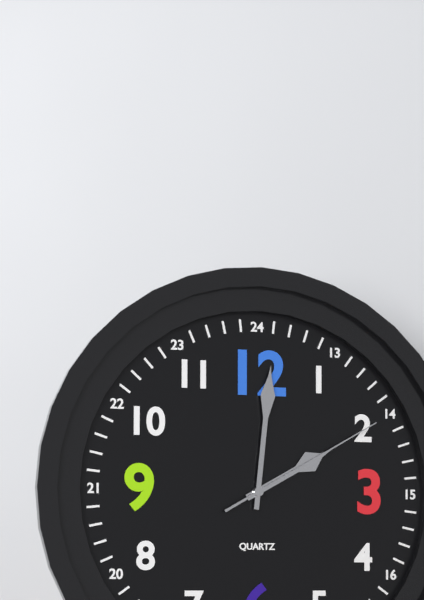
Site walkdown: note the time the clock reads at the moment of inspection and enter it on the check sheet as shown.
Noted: 2:01:10
